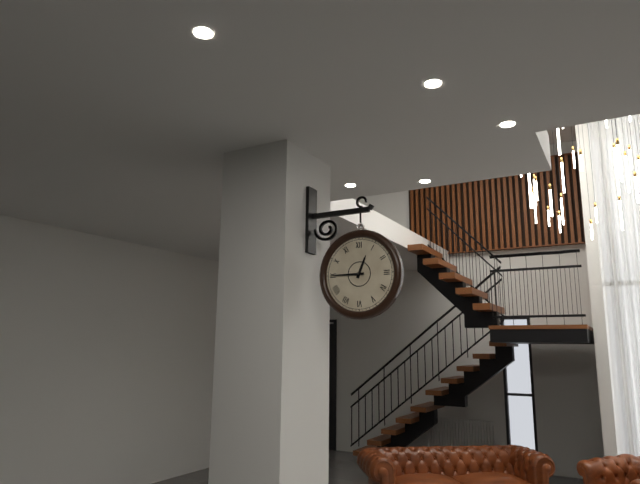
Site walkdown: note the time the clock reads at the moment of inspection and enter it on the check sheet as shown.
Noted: 12:45
